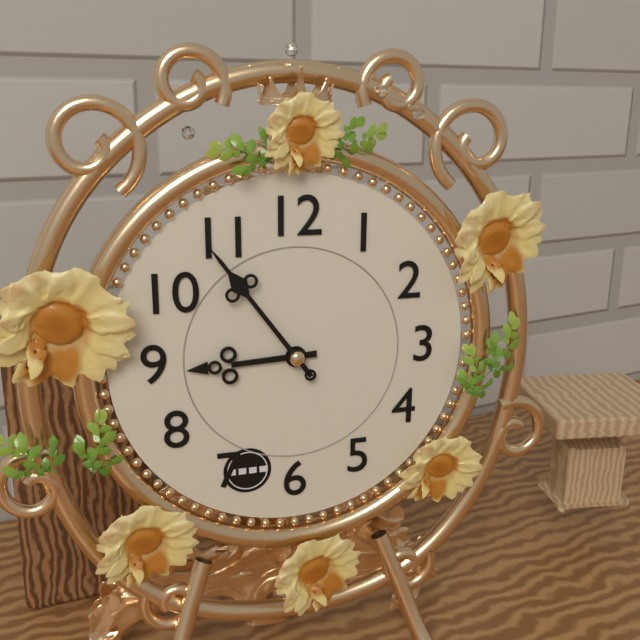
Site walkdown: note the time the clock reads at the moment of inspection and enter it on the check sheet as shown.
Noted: 8:54
